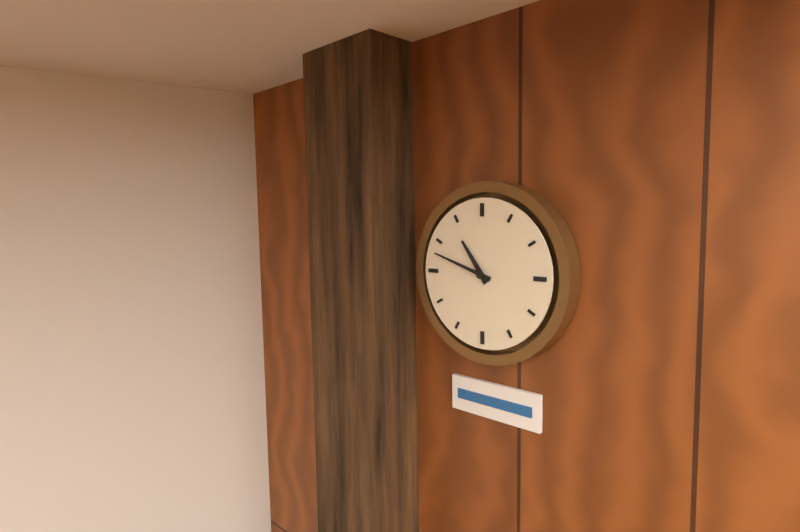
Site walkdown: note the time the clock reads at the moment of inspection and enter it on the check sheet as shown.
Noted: 10:48
